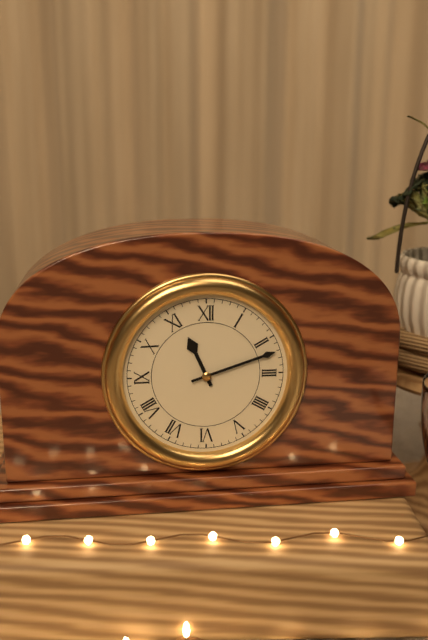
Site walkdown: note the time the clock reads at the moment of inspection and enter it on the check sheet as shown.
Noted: 11:12
